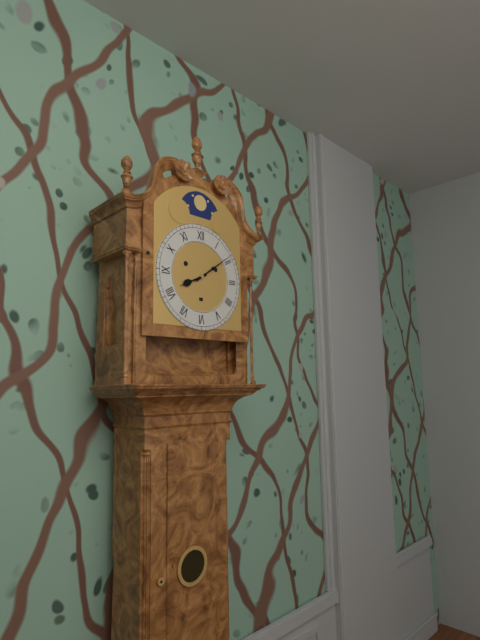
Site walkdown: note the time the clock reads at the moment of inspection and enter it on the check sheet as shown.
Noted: 8:09
